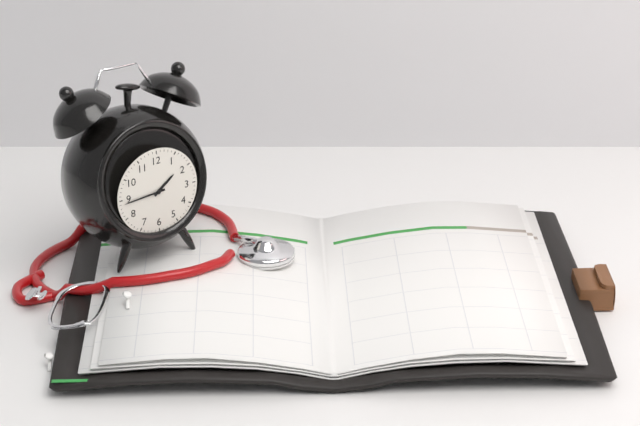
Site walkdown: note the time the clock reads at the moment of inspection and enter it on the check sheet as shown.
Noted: 1:44
